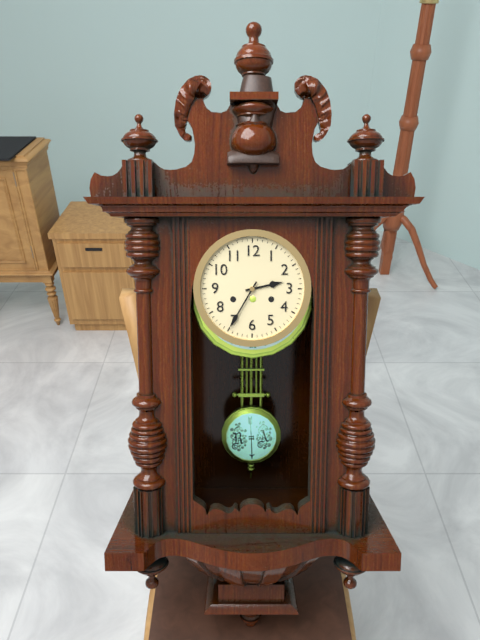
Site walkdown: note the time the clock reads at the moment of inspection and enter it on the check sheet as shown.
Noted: 2:35
